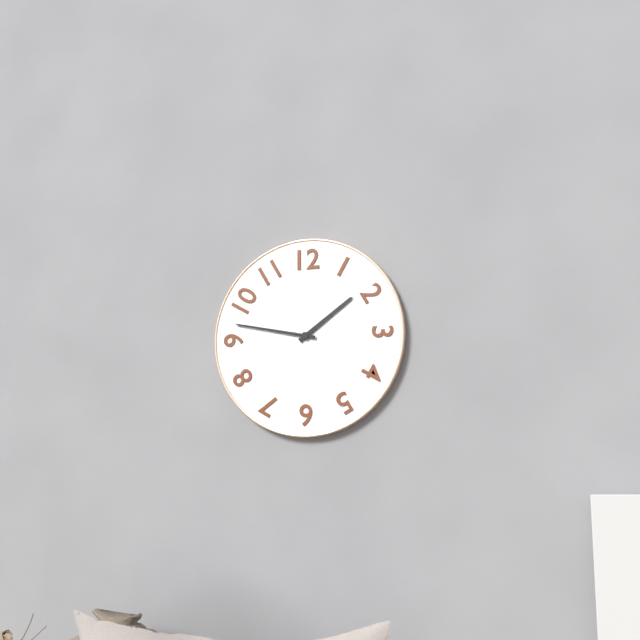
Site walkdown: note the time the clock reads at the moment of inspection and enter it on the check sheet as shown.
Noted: 1:47
